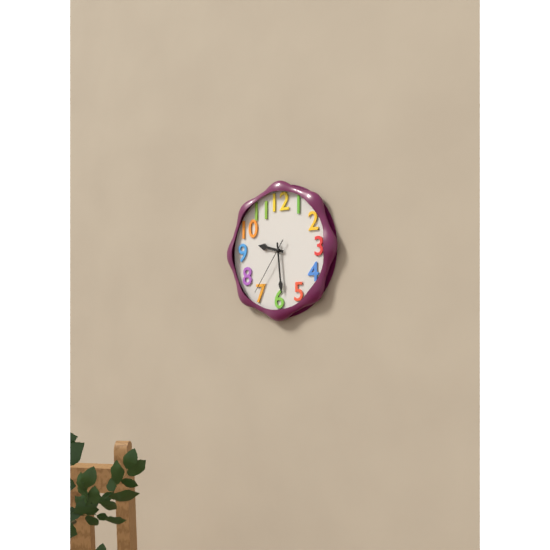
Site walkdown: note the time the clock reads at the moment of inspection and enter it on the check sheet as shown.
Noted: 9:29:36
